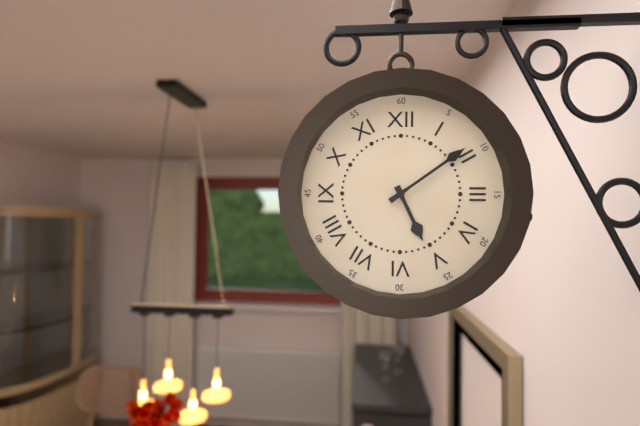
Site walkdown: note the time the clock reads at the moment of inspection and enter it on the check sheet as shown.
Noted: 5:09
